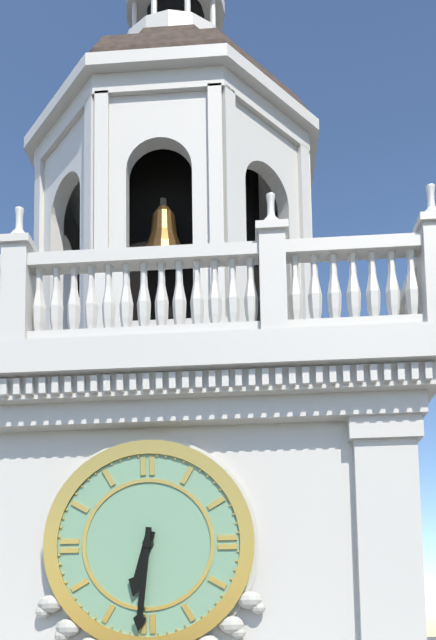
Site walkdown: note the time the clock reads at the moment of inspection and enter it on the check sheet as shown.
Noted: 6:31
